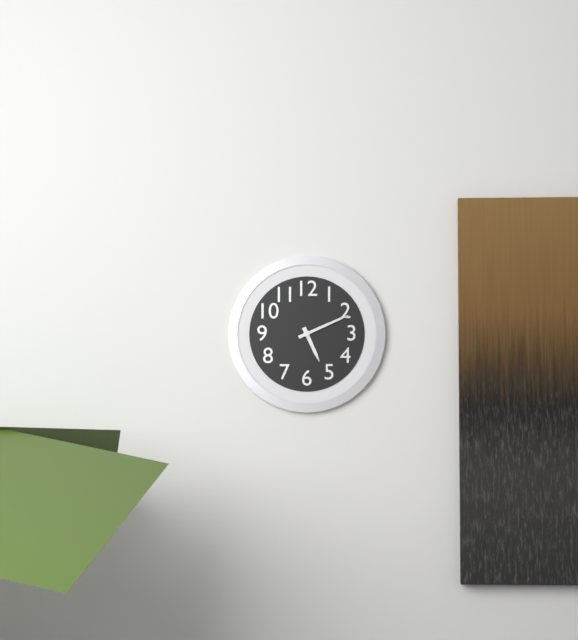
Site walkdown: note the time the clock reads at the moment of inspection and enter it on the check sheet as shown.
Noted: 5:11
